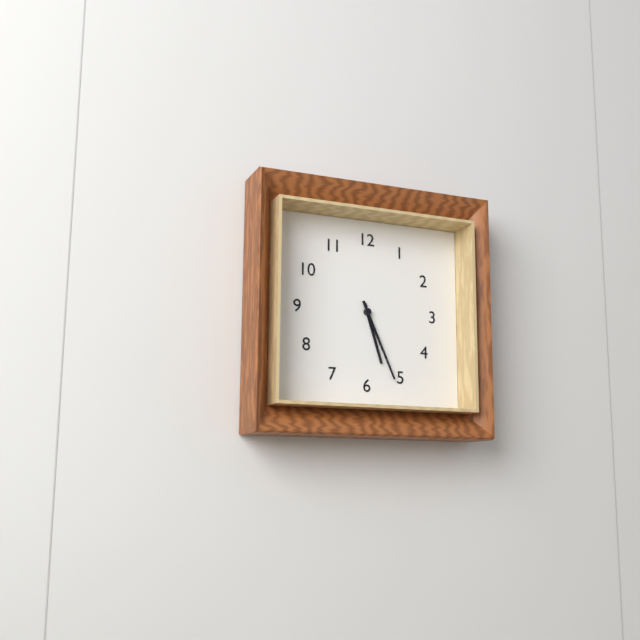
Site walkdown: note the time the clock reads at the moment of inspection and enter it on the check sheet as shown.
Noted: 5:26
